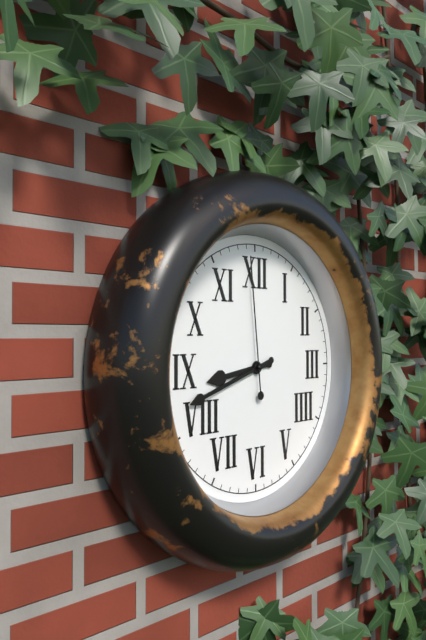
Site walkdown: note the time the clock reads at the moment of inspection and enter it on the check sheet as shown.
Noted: 8:42:59
